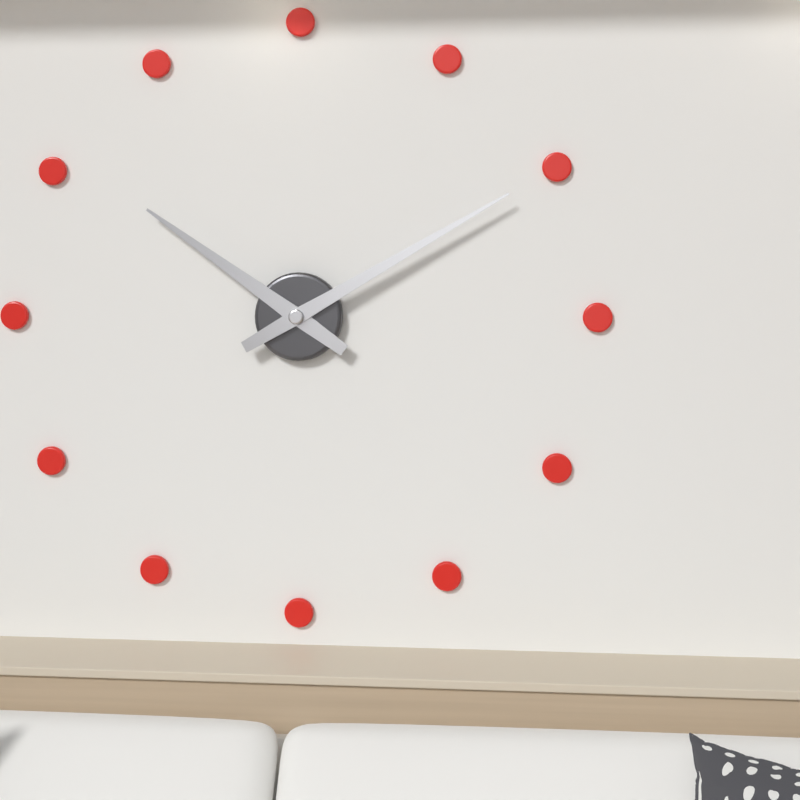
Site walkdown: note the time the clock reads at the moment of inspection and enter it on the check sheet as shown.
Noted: 10:10
